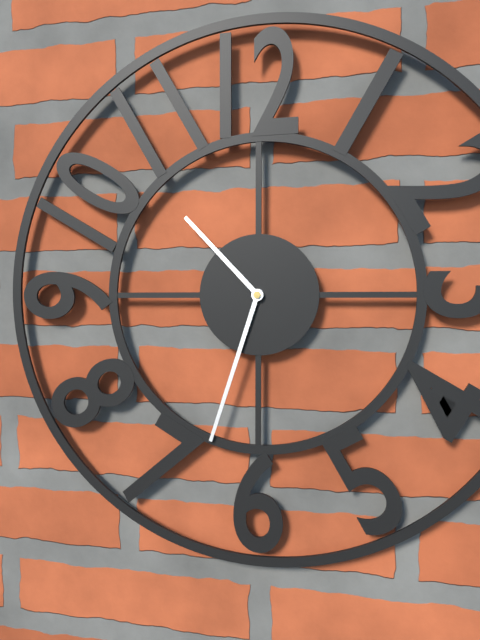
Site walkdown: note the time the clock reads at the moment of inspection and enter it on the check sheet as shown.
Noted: 10:33
